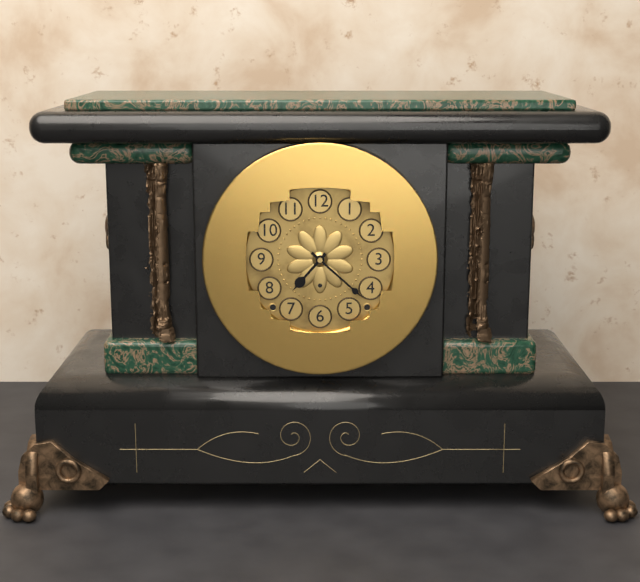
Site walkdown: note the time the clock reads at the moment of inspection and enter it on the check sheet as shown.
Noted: 7:22
